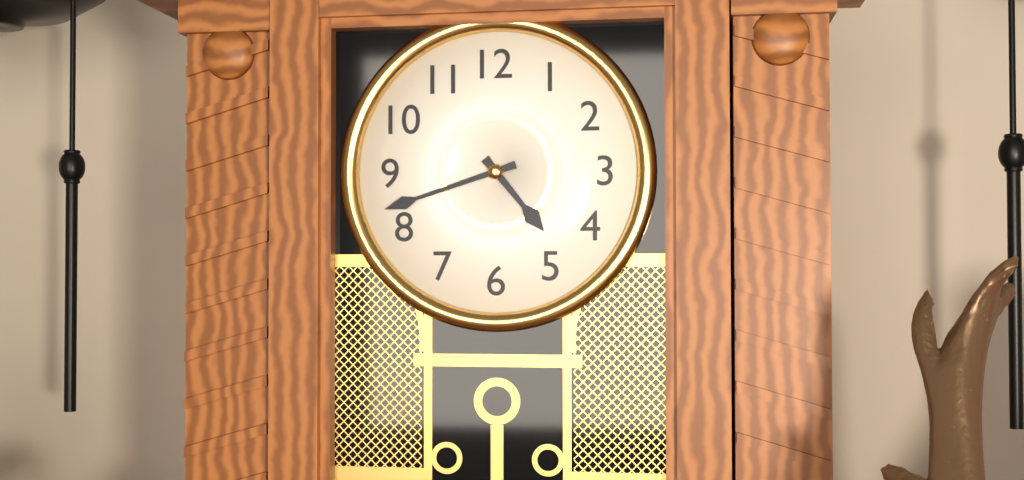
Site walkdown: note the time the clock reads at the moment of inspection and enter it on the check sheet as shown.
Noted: 4:42
